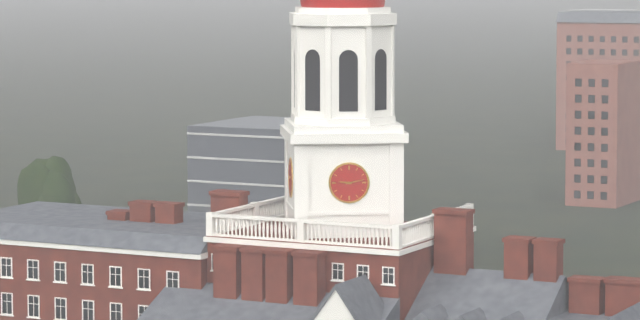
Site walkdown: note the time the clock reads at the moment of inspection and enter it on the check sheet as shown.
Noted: 9:13
